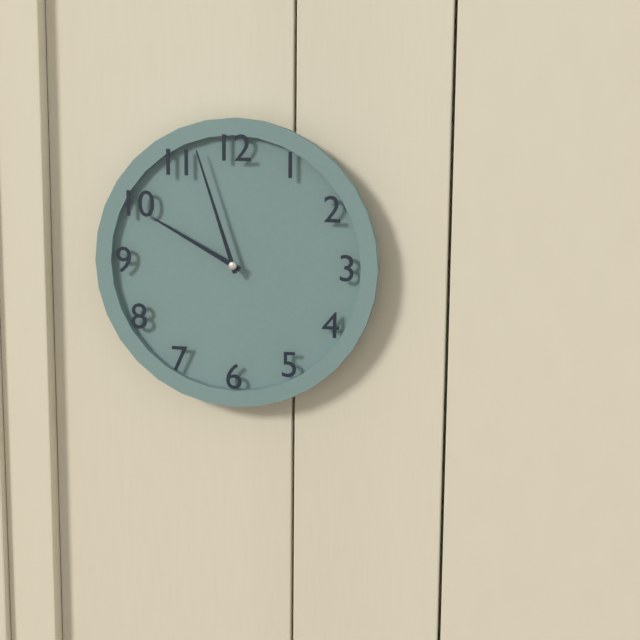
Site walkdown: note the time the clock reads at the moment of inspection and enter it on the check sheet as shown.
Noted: 9:57
